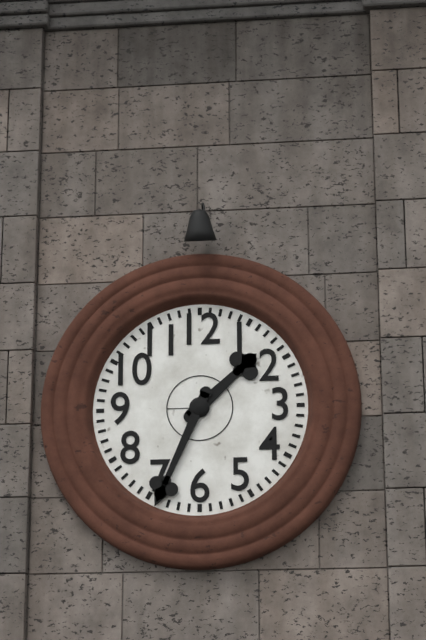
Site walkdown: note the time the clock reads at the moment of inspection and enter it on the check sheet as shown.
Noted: 1:34
